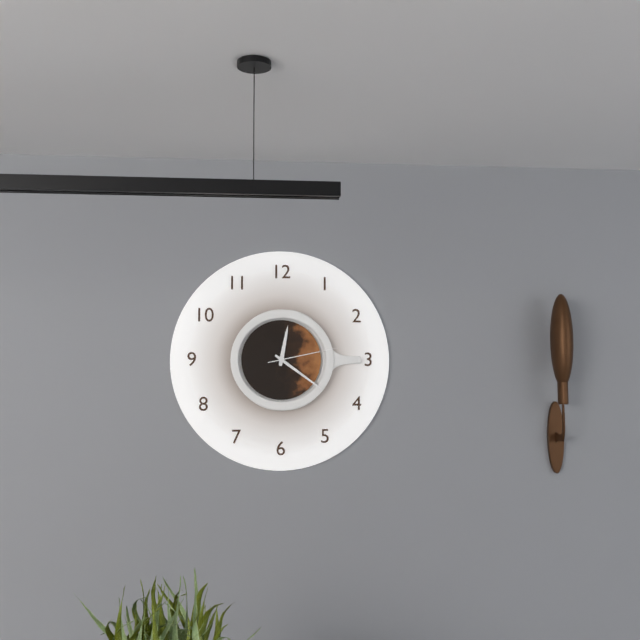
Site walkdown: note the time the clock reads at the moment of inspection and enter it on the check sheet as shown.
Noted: 12:21:13
